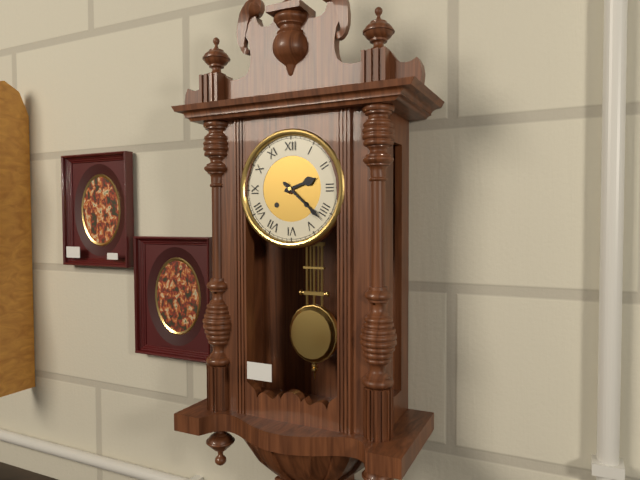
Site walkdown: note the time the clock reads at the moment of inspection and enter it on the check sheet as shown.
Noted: 2:22
